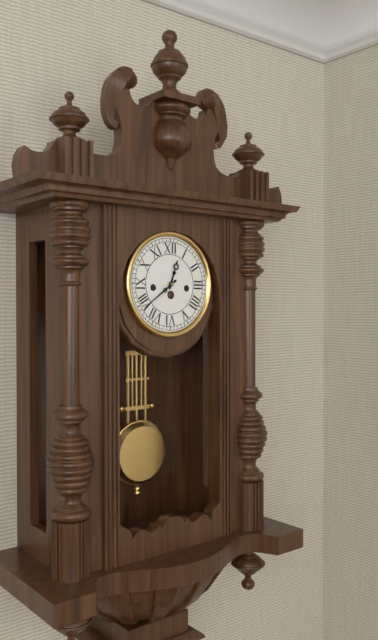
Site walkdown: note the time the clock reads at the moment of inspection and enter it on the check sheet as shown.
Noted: 12:39
